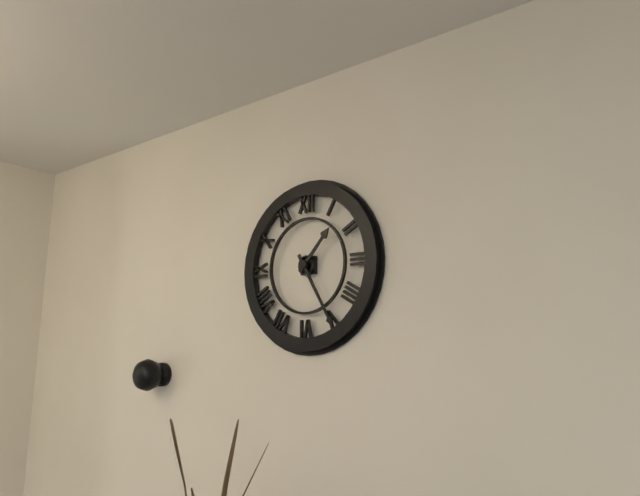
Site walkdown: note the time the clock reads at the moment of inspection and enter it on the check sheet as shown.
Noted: 1:25
